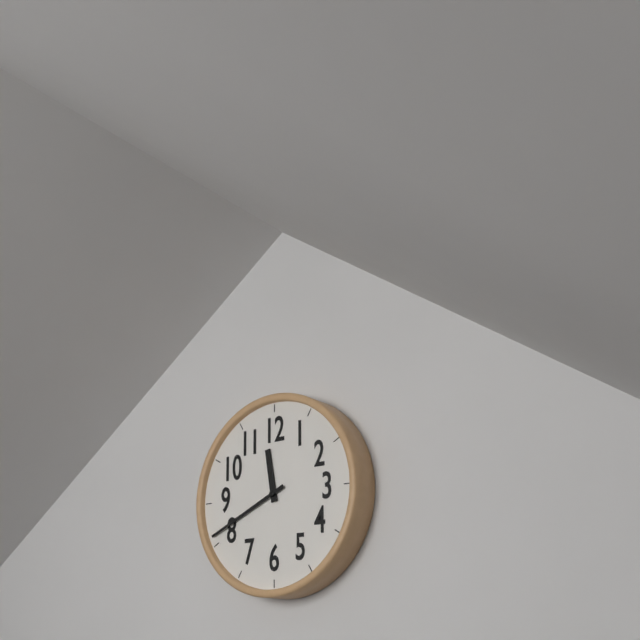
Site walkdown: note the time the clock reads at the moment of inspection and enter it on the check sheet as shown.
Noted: 11:41
